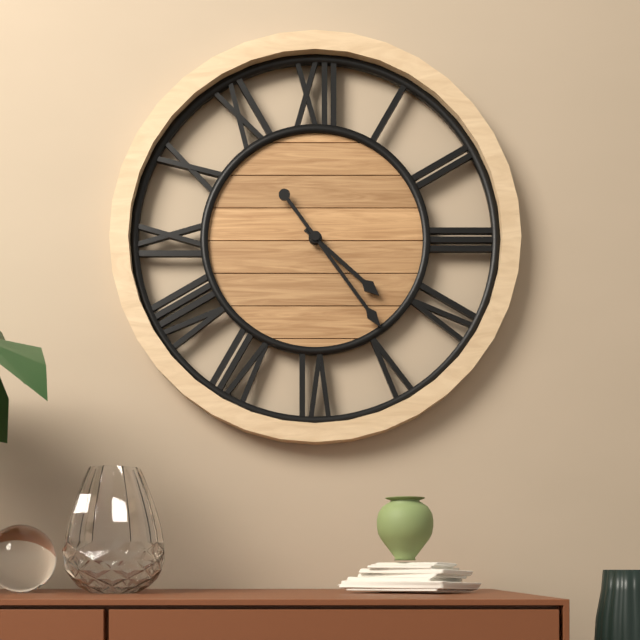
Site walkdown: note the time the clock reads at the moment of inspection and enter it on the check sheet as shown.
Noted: 4:24
